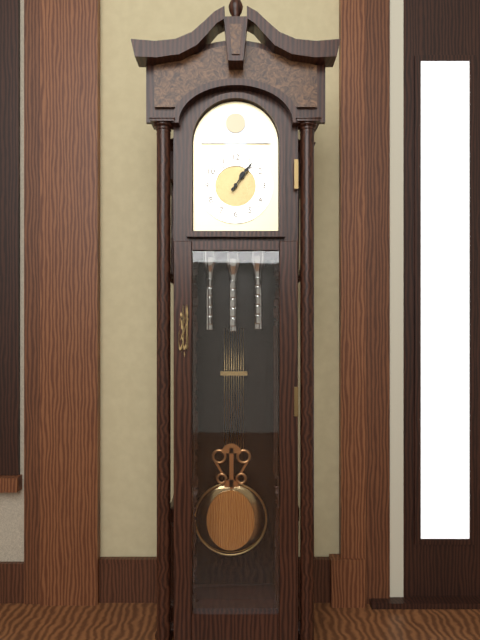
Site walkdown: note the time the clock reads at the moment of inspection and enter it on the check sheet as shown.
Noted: 1:06
